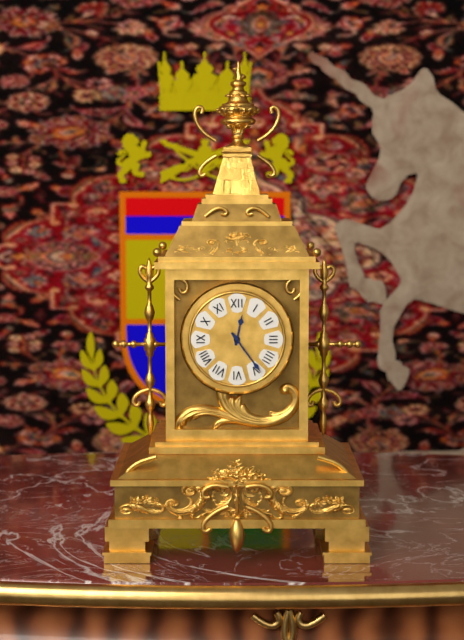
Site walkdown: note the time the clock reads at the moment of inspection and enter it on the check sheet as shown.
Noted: 12:24
